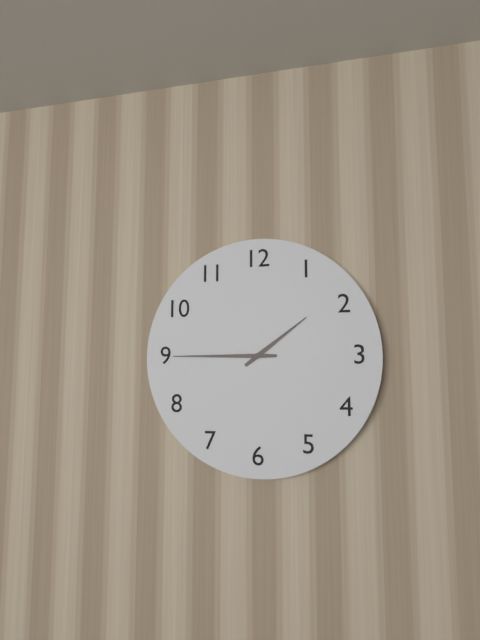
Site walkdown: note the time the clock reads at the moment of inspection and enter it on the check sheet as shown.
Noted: 1:45
